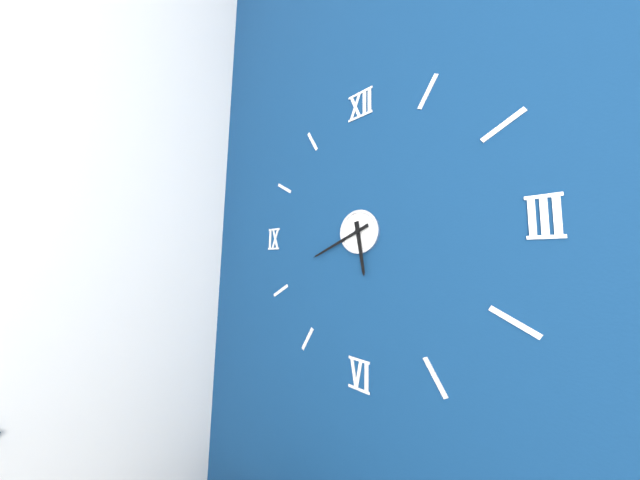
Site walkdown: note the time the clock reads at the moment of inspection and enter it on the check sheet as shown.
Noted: 5:41
